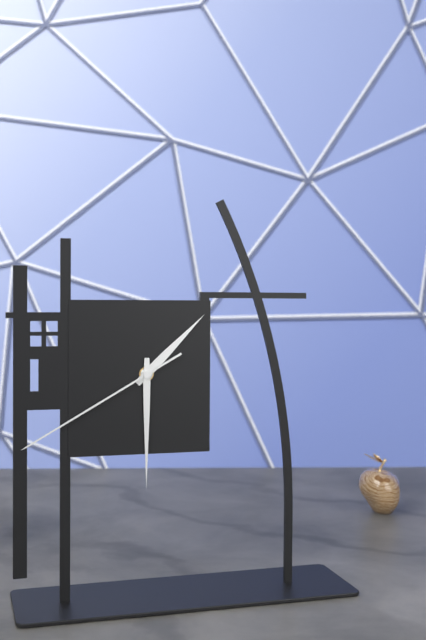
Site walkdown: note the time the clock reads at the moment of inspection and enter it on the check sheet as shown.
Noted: 1:30:40
